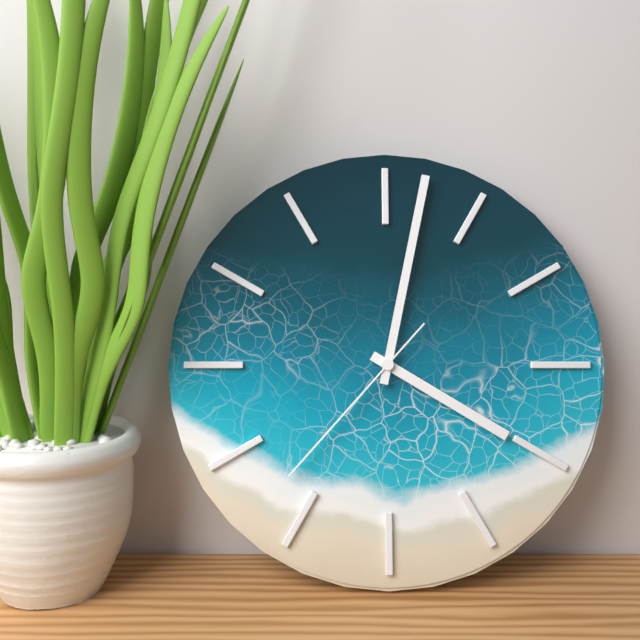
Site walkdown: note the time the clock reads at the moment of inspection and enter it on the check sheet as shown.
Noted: 4:02:37
